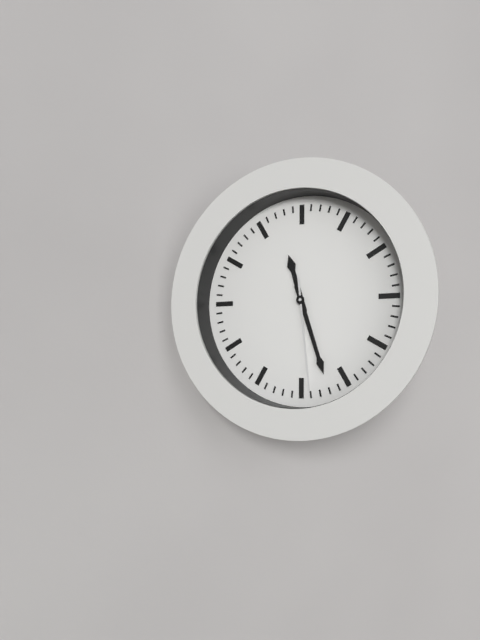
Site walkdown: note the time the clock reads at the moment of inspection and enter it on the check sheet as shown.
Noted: 11:27:29
